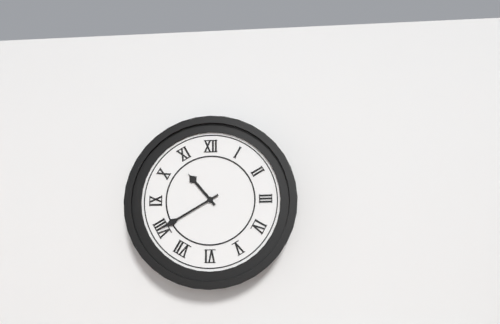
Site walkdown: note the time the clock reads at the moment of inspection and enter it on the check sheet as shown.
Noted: 10:40
